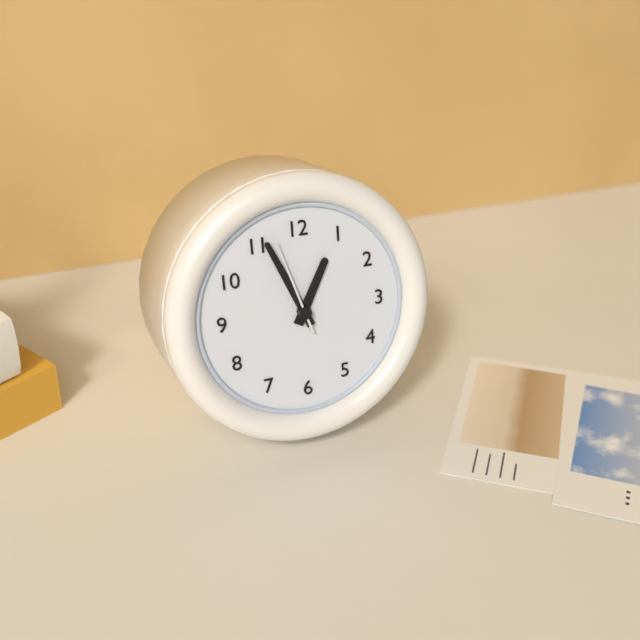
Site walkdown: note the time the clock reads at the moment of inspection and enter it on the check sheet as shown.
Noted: 12:56:57
